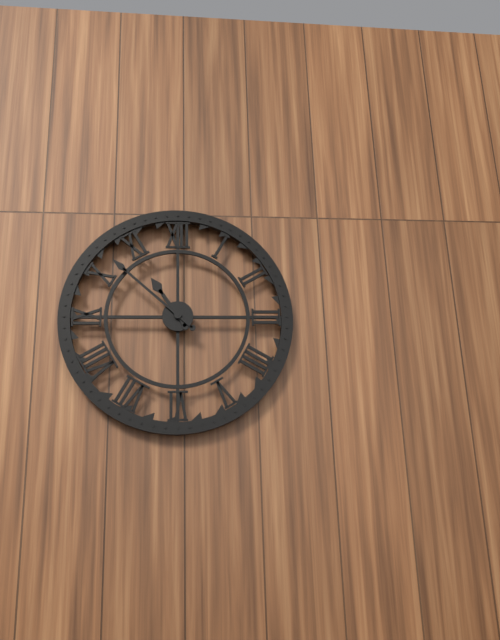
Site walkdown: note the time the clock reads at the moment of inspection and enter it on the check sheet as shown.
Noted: 10:52
